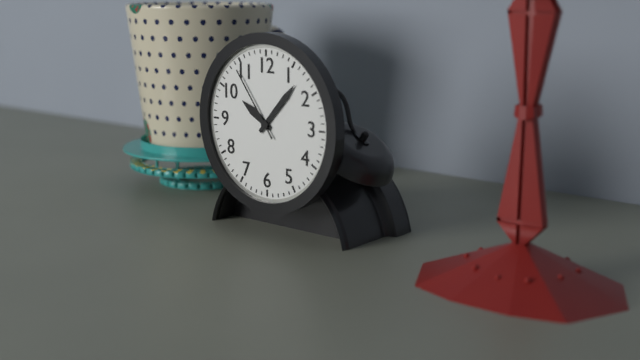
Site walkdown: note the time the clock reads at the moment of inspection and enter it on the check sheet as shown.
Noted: 10:07:54
